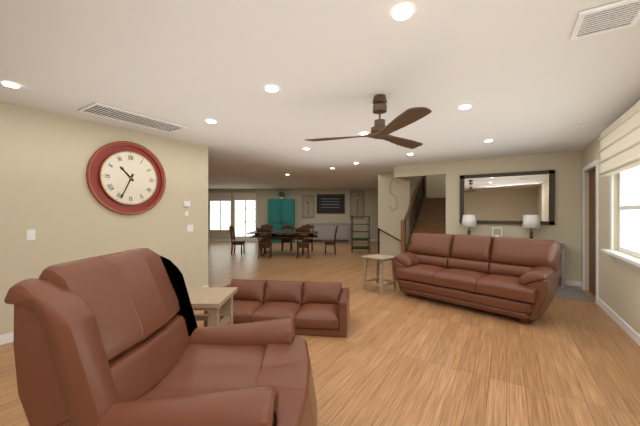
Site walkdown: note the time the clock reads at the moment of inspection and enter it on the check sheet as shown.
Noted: 10:34
